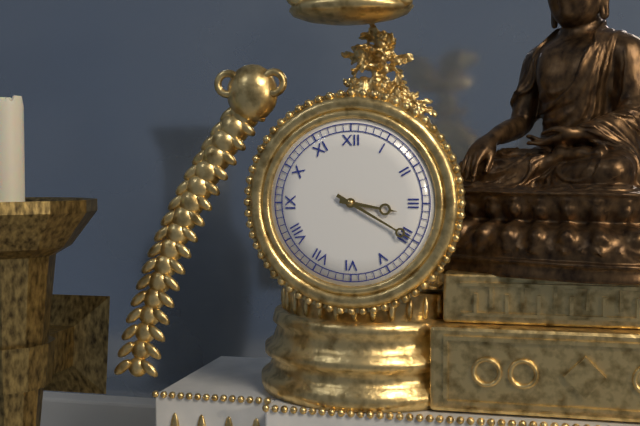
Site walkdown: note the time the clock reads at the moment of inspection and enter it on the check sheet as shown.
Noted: 3:20
